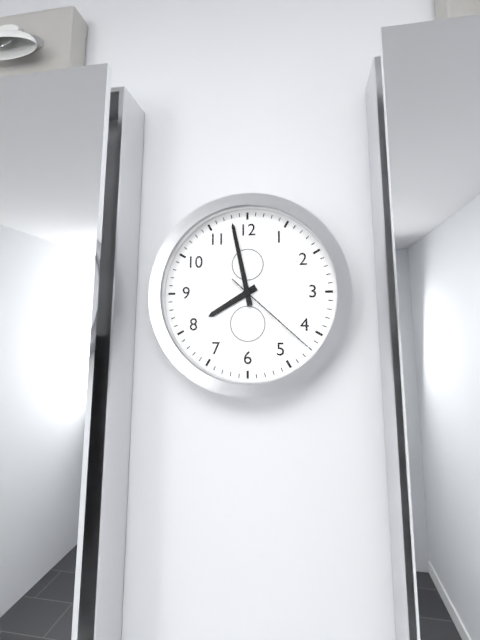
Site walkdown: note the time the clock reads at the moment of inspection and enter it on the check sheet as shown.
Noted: 7:58:22
